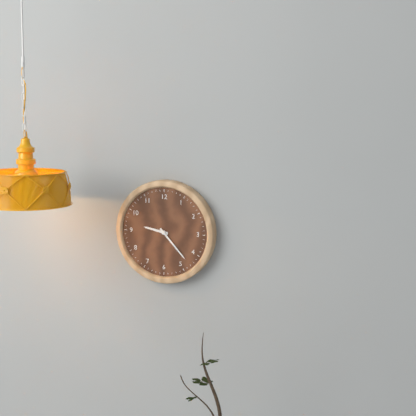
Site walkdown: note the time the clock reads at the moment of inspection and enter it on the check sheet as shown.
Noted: 9:23
